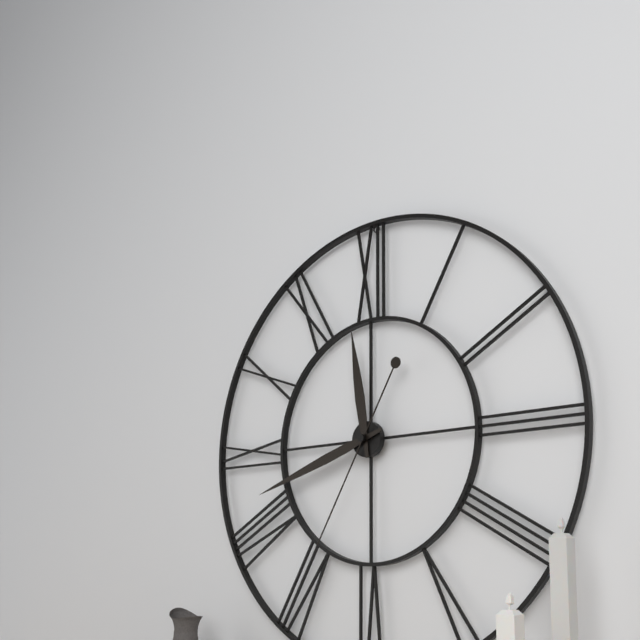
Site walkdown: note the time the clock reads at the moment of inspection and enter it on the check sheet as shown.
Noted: 11:42:35
